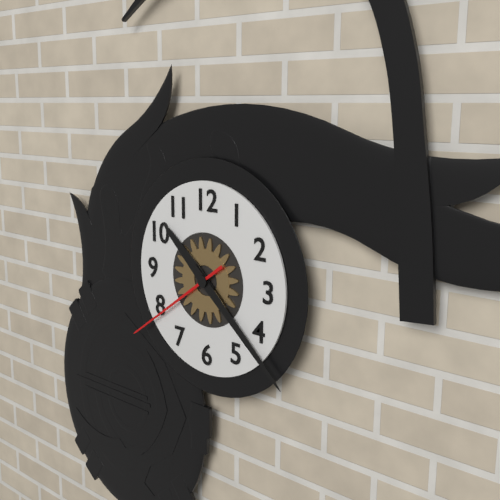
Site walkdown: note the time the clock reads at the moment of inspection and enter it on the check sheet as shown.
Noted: 10:22:39
